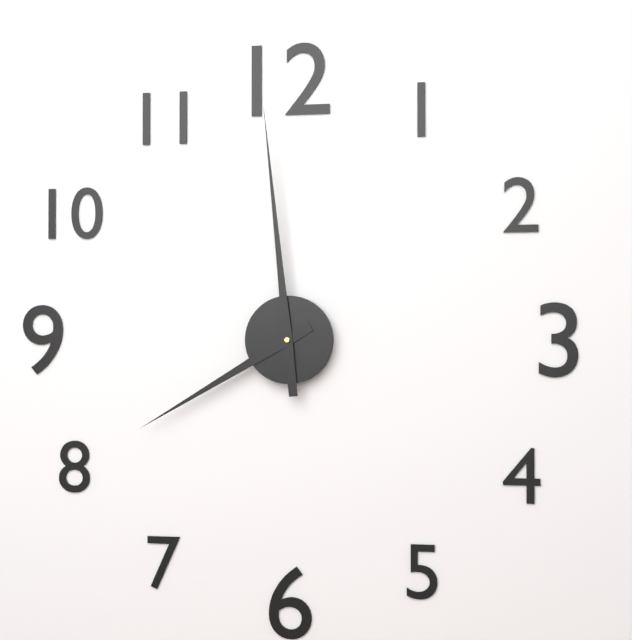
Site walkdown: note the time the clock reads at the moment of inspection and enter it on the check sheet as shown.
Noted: 7:59
